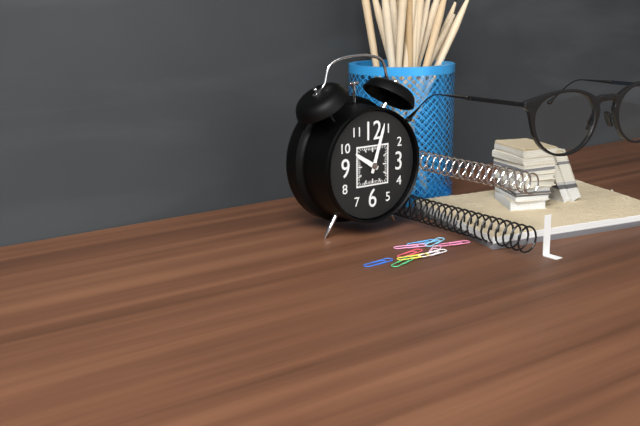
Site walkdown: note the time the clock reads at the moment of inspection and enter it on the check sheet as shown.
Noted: 10:03
